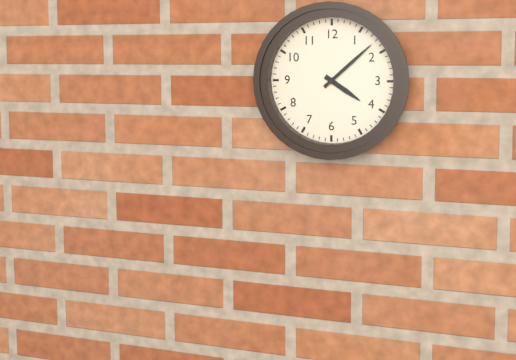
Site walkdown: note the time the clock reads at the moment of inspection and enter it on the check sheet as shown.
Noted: 4:08
